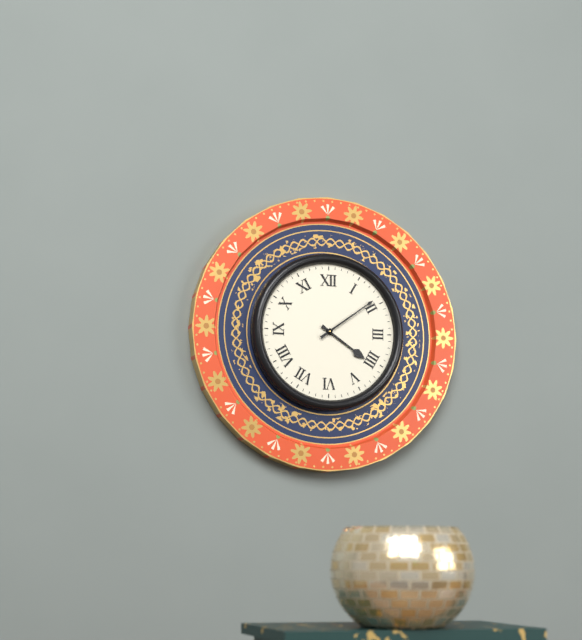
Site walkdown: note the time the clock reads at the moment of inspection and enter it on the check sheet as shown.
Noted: 4:09
